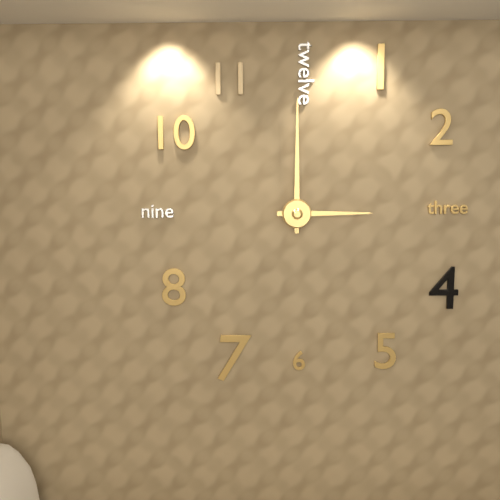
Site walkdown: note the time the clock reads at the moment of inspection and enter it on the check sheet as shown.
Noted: 3:00
